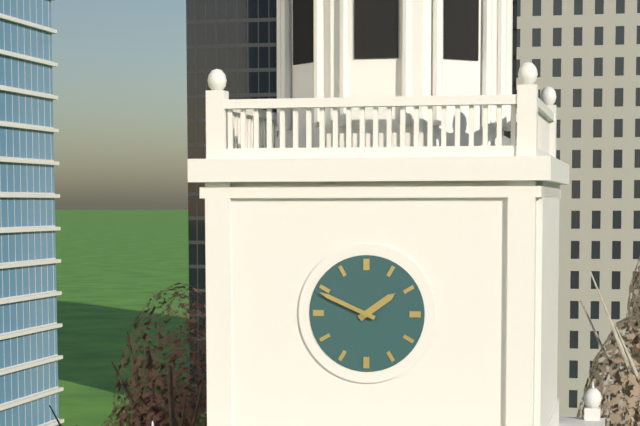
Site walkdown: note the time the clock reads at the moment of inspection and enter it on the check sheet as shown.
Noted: 1:49
